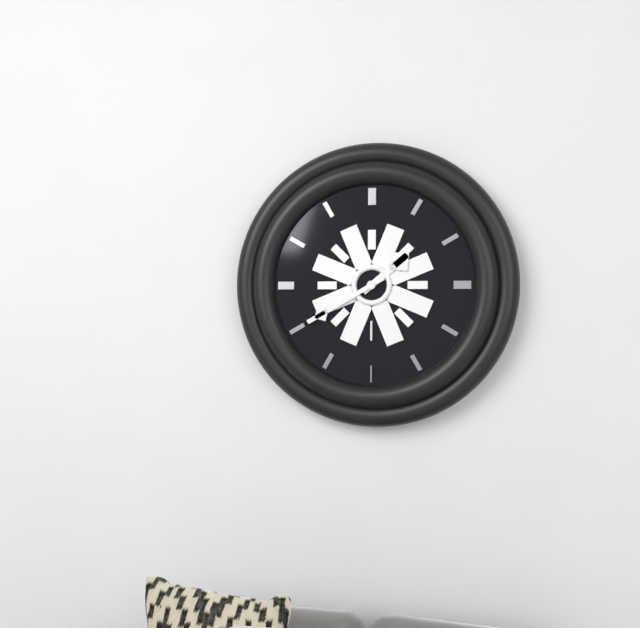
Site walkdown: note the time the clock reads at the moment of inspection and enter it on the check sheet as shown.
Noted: 1:40
